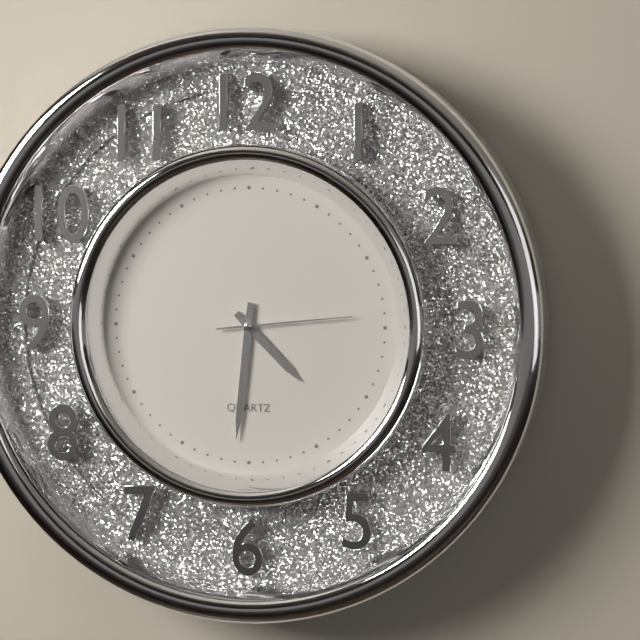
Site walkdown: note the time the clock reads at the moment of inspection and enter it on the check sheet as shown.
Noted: 4:31:14
